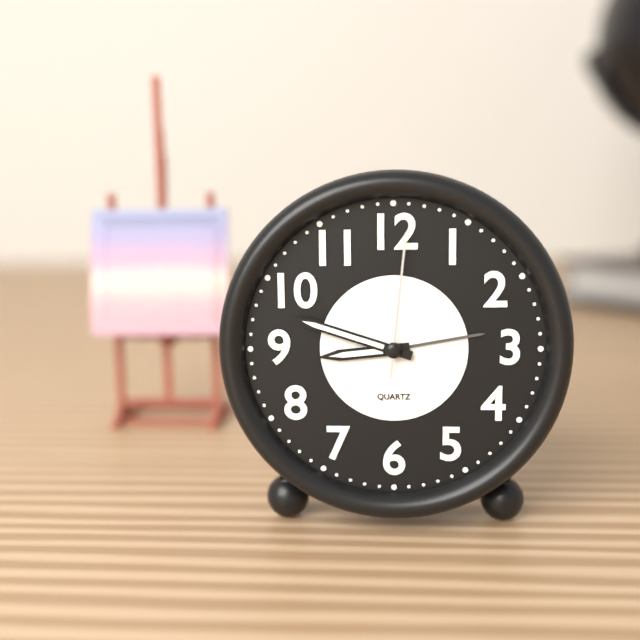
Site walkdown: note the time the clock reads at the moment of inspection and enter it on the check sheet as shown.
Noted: 8:48:01
